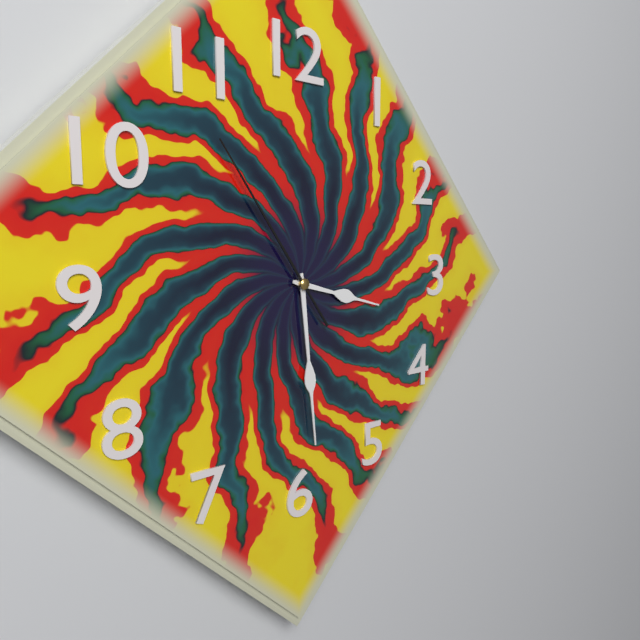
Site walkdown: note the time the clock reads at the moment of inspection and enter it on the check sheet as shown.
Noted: 3:29:54
